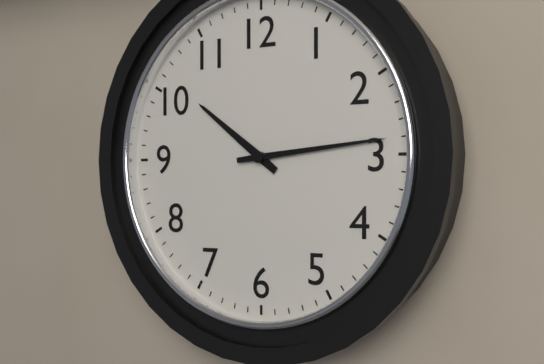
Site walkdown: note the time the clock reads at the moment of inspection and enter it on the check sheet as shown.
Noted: 10:14
